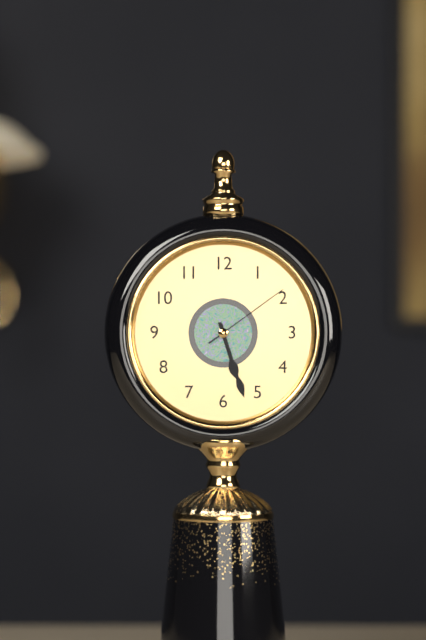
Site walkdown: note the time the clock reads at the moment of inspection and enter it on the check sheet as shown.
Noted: 5:27:09
